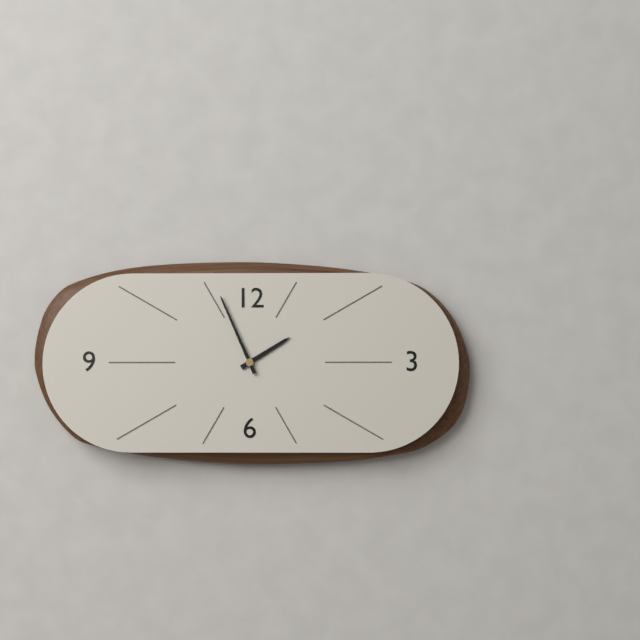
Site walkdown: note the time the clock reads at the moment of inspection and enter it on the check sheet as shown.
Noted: 1:56
